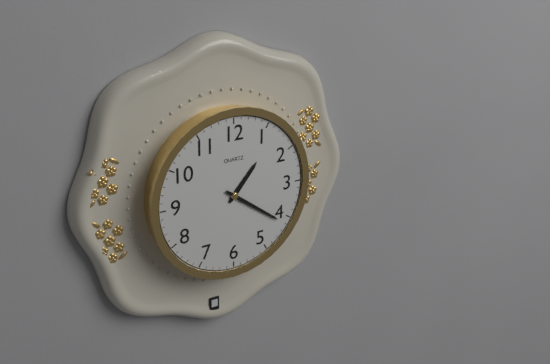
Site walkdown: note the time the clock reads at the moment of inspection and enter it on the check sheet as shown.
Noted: 1:21
